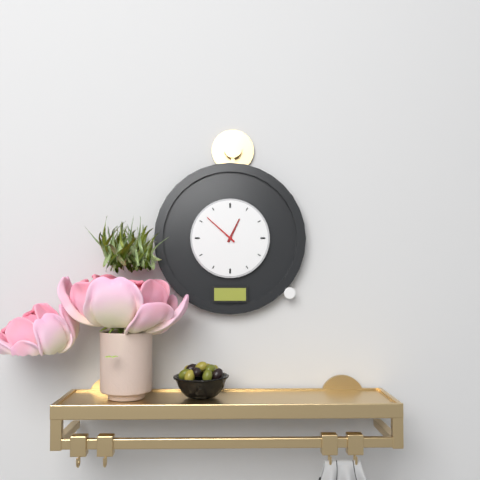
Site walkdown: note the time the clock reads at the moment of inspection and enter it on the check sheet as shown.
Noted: 12:52
